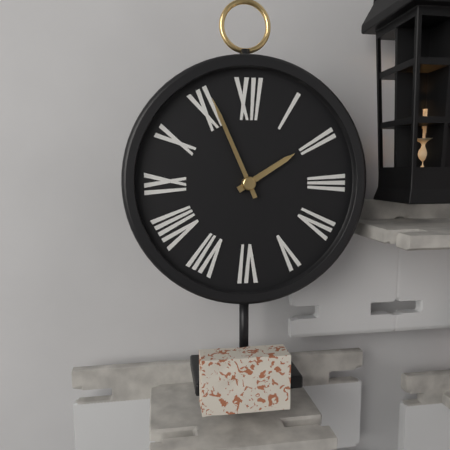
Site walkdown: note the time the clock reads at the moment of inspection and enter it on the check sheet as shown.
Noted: 1:56
